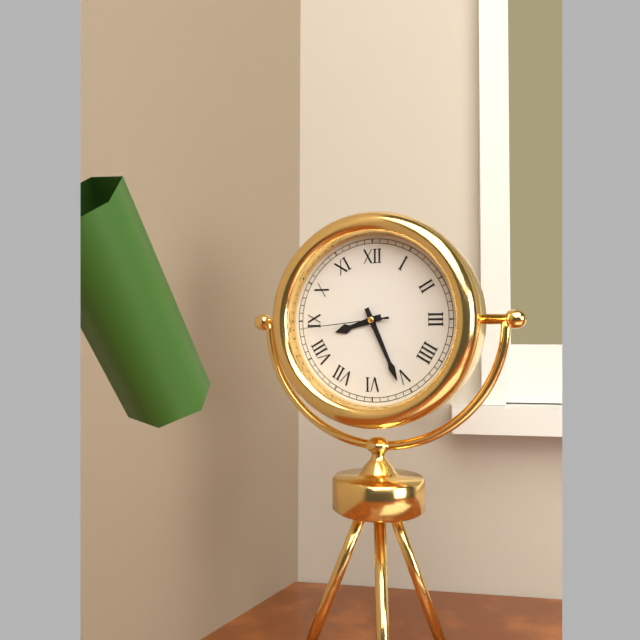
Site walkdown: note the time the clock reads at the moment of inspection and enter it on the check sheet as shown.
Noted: 8:26:44
